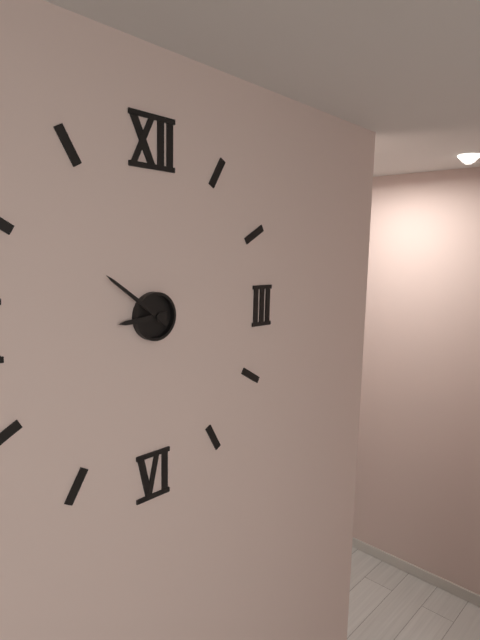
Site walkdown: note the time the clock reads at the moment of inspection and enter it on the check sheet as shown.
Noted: 8:51
